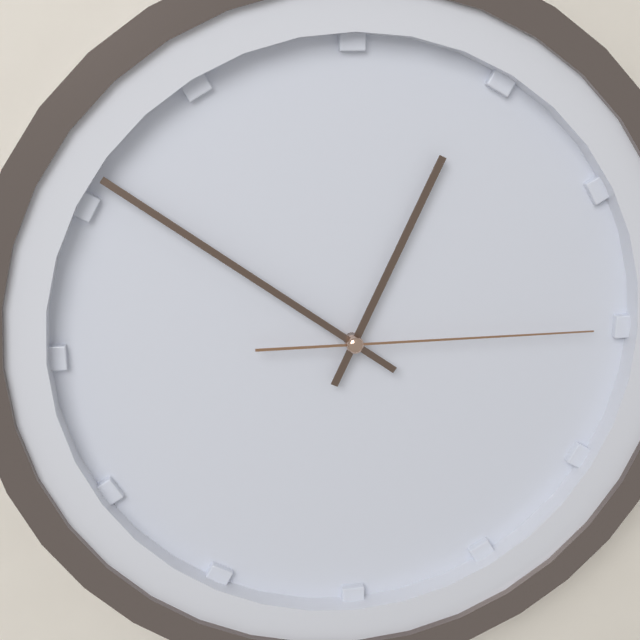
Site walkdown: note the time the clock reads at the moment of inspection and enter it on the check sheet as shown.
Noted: 12:51:15
